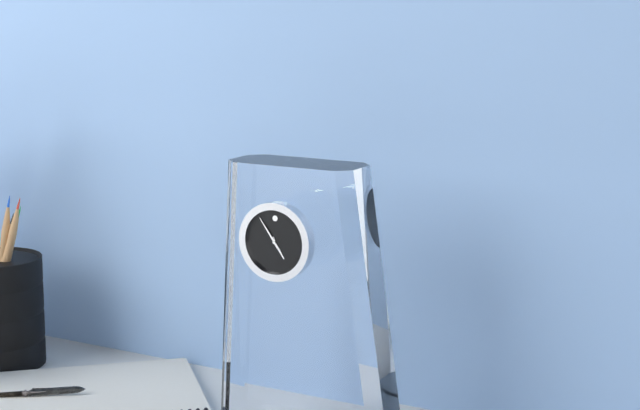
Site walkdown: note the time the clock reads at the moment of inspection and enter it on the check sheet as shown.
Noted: 4:54
